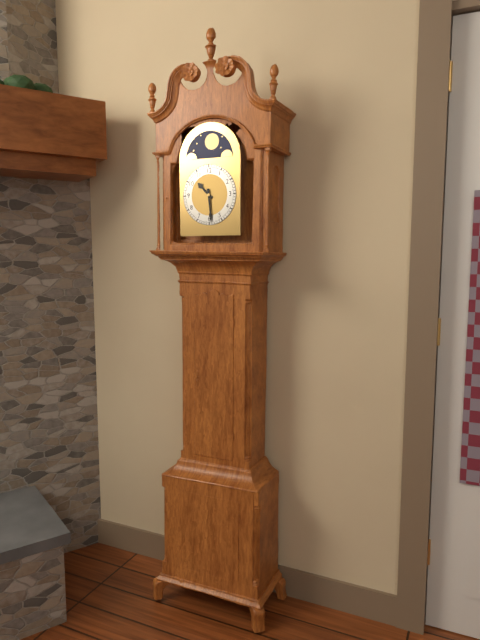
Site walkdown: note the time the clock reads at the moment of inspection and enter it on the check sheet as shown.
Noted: 10:29
